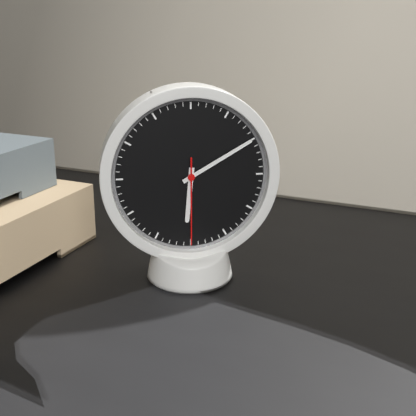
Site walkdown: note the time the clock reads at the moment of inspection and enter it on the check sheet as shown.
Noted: 6:10:30
